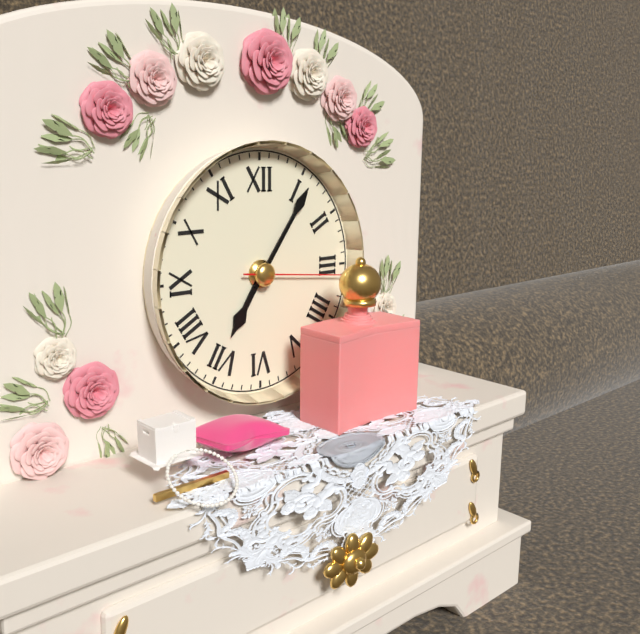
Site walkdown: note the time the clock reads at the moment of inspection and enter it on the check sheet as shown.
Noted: 7:06:16
